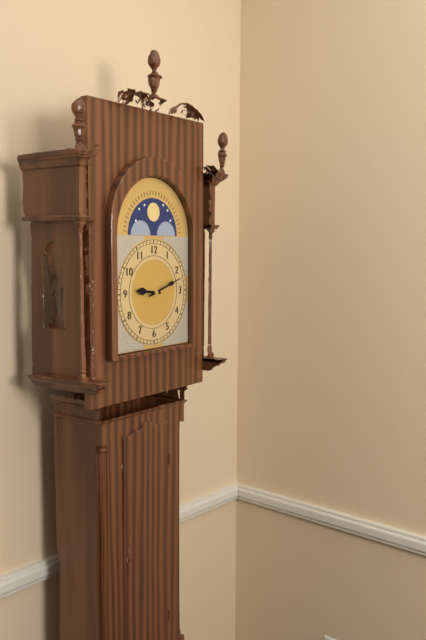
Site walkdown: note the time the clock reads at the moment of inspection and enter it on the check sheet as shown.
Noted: 9:12
